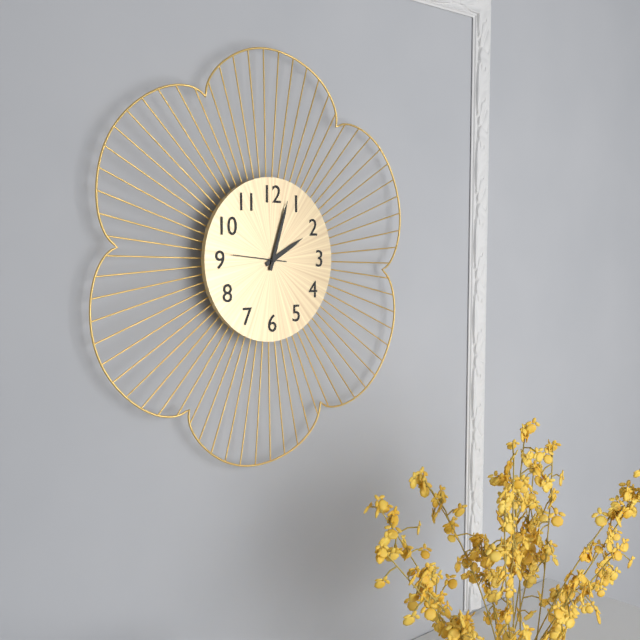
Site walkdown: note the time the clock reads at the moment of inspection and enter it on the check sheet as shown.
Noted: 2:03:46
